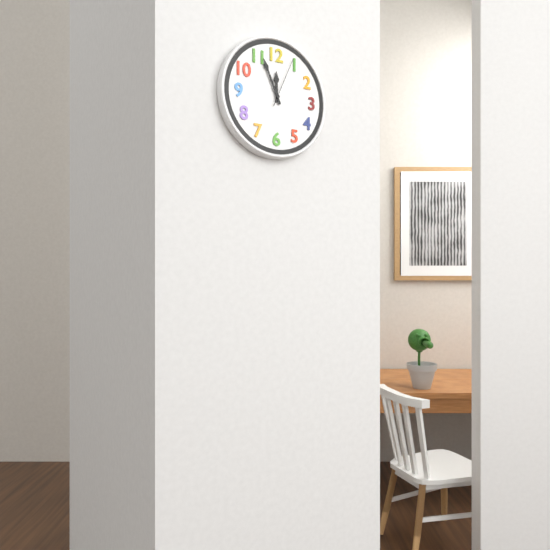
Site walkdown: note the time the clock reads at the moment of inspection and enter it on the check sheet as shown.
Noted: 11:56:04
